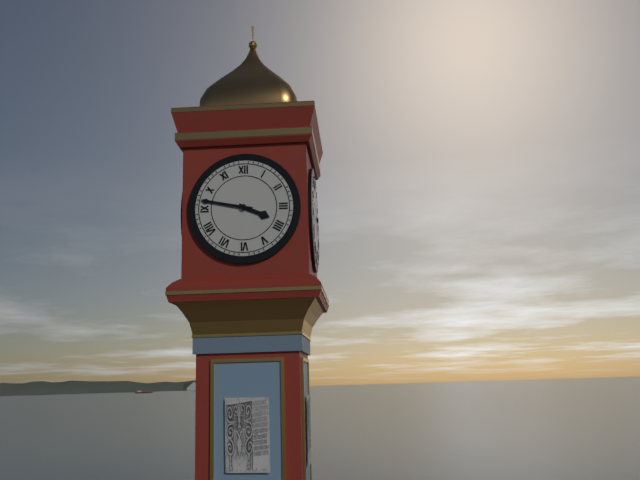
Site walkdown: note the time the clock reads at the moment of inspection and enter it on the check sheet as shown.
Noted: 3:47
